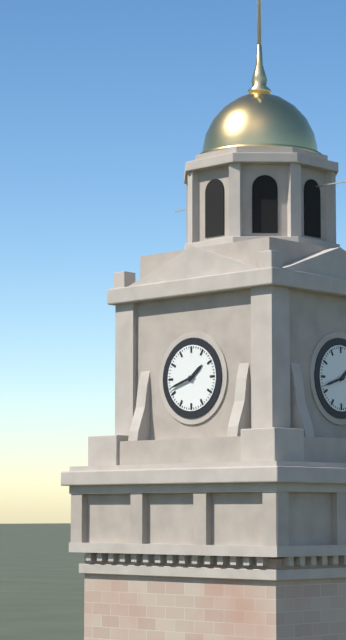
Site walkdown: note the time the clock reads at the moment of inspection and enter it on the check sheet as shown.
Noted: 1:42
